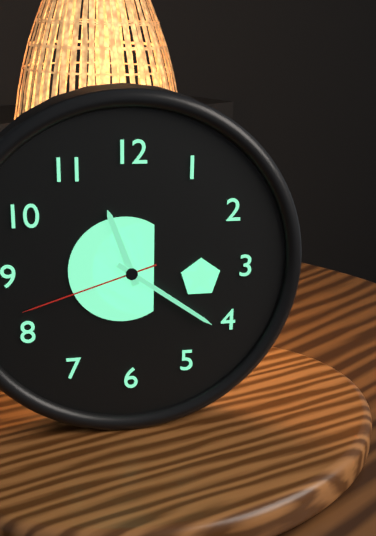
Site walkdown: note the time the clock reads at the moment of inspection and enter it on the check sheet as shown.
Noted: 11:21:42
